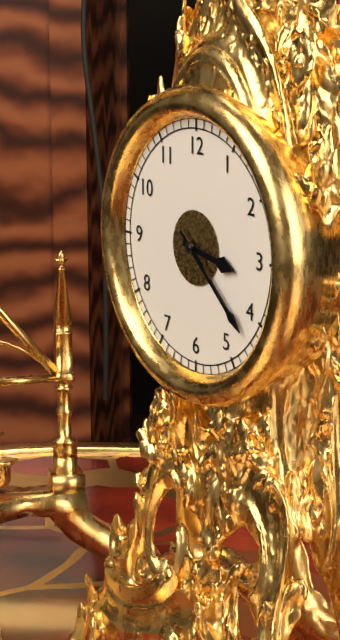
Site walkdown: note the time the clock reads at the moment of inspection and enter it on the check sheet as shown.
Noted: 3:22
